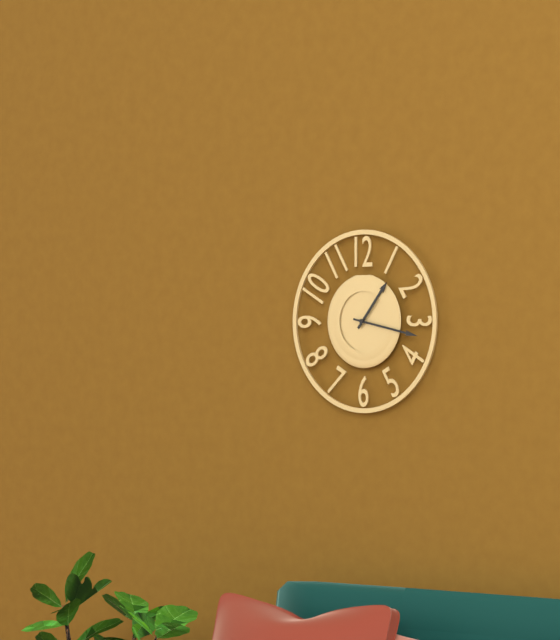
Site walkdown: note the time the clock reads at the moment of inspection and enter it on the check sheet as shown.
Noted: 1:17
